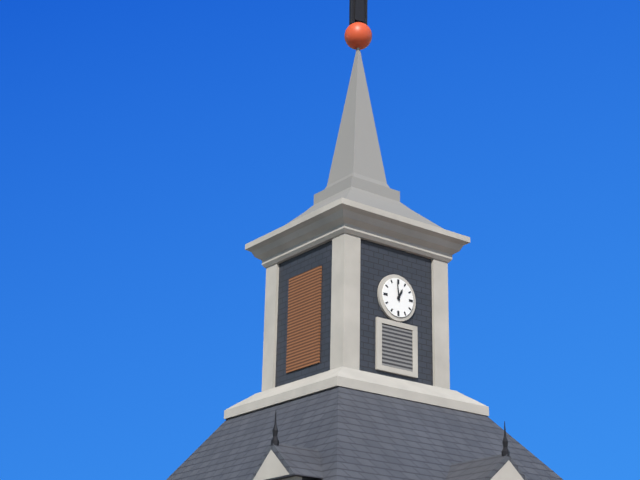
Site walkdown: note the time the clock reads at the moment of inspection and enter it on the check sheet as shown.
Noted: 12:59
